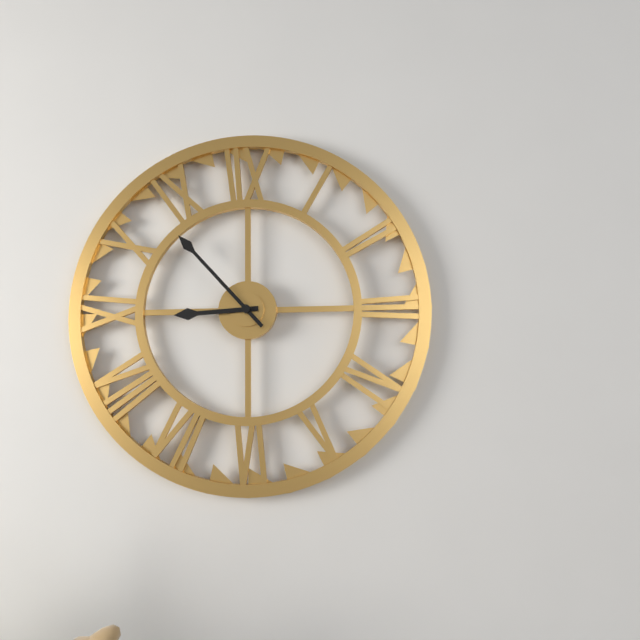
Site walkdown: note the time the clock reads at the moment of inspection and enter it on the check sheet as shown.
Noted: 8:53
